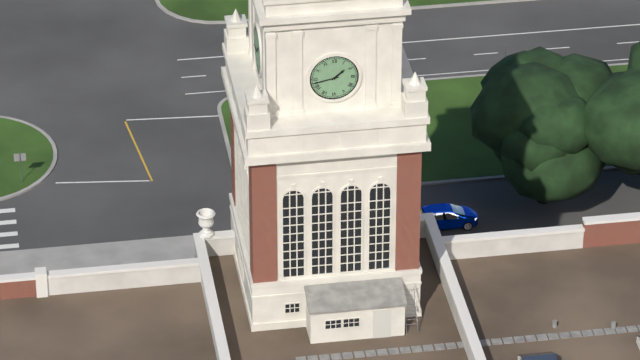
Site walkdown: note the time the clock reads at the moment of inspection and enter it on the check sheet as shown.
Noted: 1:43
